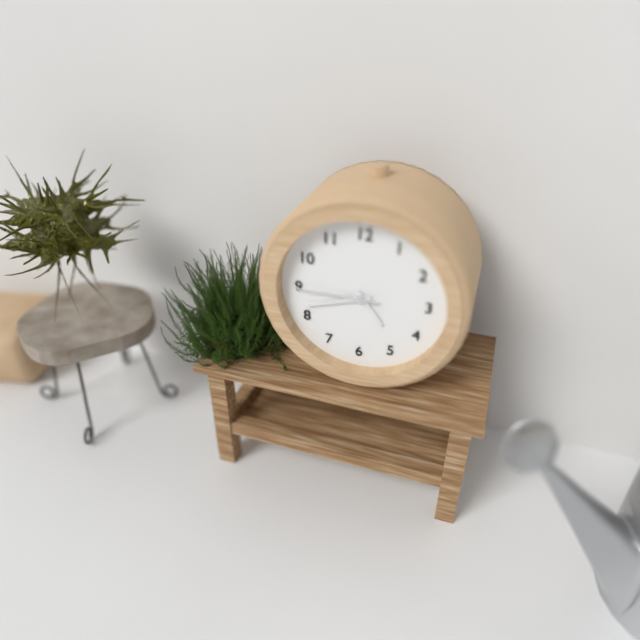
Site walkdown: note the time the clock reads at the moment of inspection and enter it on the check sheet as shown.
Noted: 4:42:45
